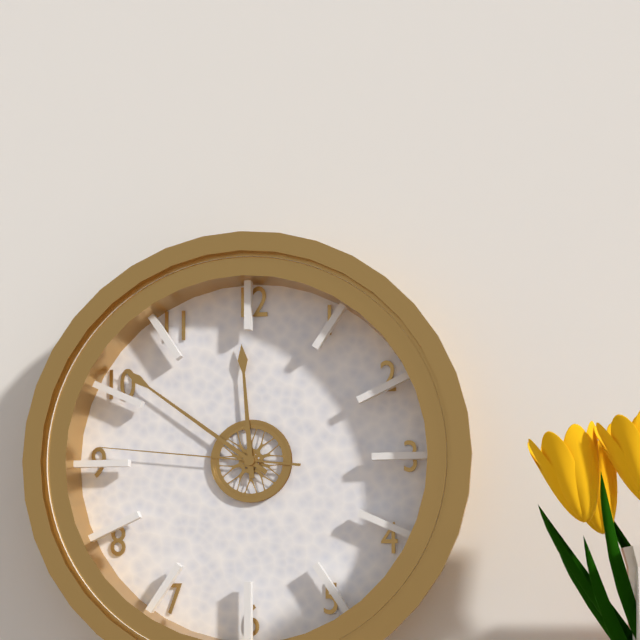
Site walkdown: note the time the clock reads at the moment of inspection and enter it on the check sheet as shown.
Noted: 11:51:46
